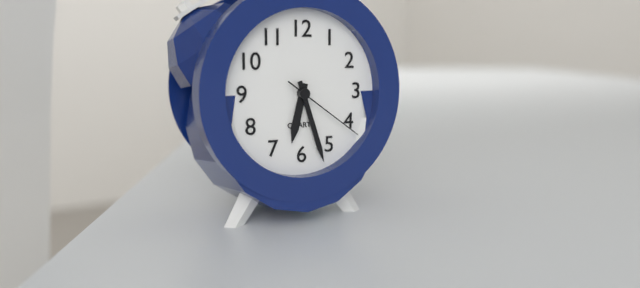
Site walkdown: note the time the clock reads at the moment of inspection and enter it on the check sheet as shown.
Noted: 6:27:21
